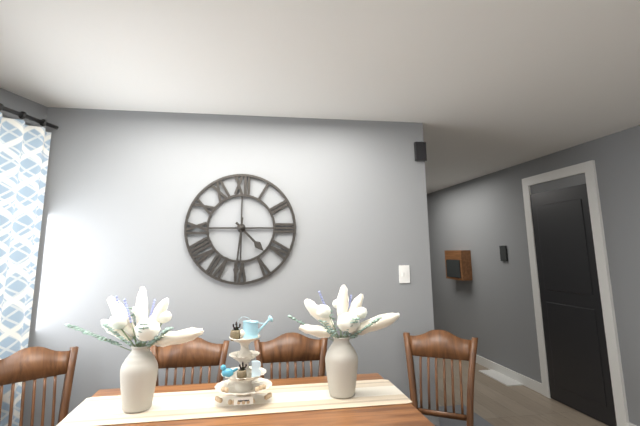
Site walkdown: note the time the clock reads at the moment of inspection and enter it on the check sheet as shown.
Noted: 4:31
